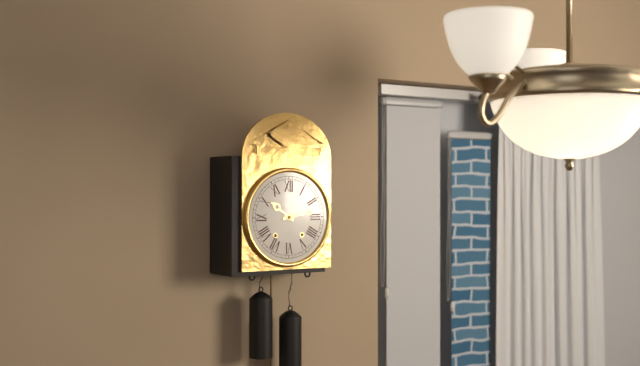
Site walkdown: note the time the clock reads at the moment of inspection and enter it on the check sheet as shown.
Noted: 10:13
